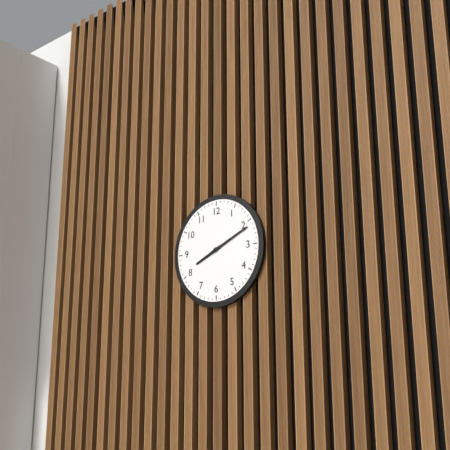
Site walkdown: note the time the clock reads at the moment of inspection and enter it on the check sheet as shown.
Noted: 8:11
